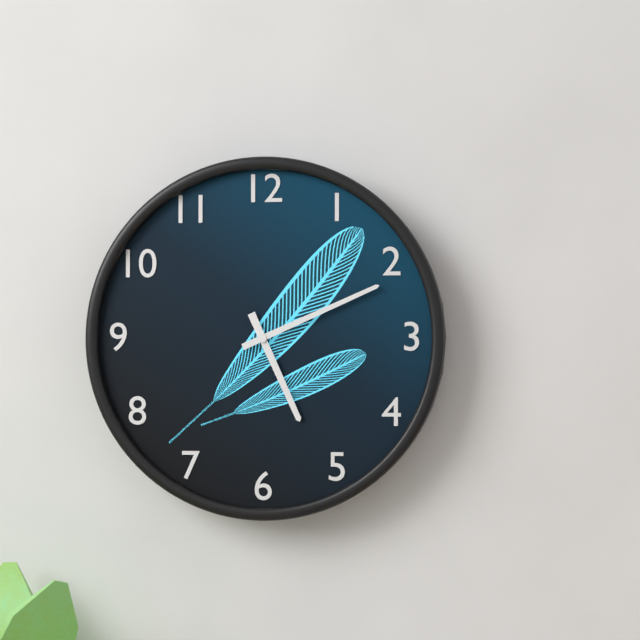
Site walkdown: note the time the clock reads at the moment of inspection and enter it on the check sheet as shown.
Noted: 5:11
